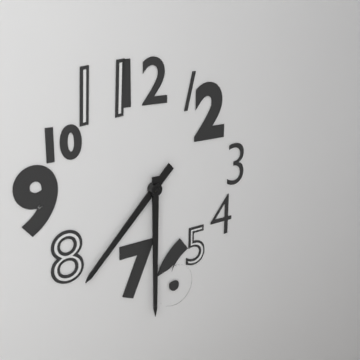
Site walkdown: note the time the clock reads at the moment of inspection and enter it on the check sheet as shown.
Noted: 7:30
